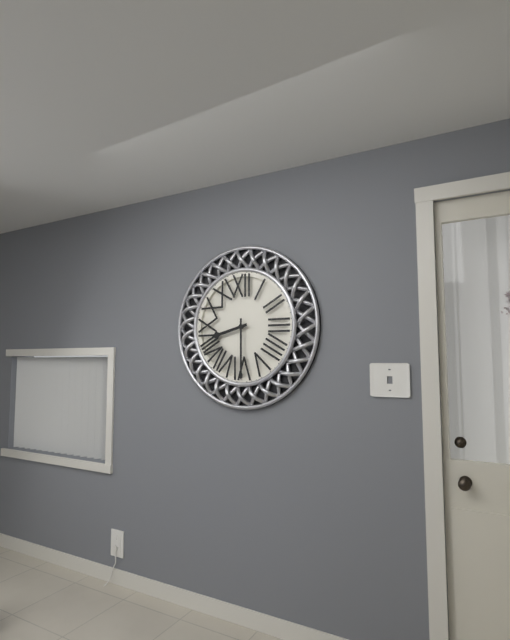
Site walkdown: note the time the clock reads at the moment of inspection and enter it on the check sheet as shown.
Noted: 8:30
